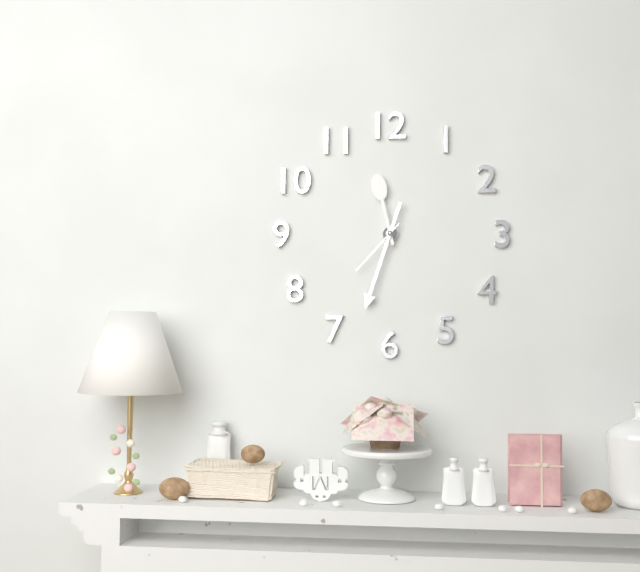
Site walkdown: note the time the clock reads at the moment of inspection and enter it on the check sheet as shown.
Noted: 11:33:37
